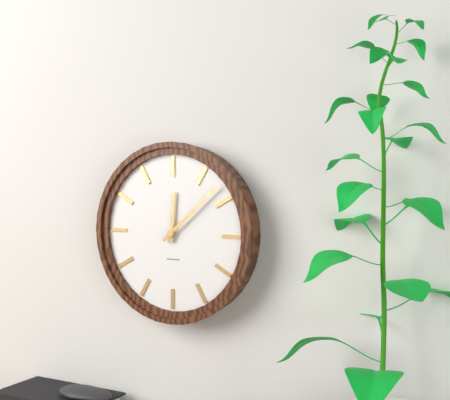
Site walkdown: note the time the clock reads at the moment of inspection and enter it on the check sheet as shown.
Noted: 12:08
